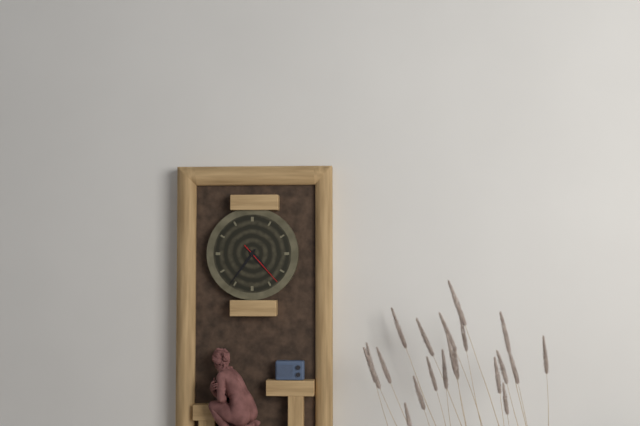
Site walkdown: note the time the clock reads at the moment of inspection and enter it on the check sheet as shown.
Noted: 4:36
